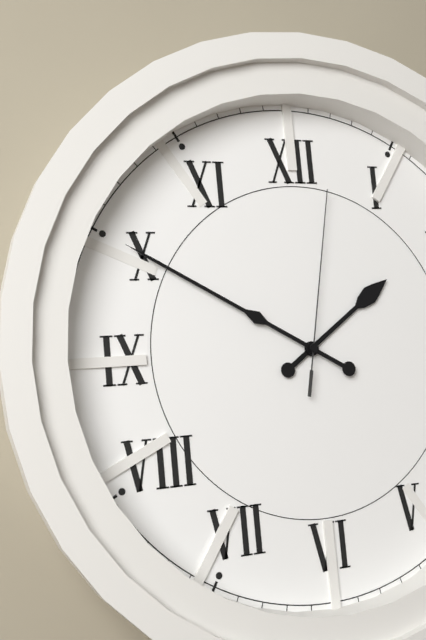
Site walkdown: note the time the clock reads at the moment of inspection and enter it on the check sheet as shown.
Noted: 1:50:02
